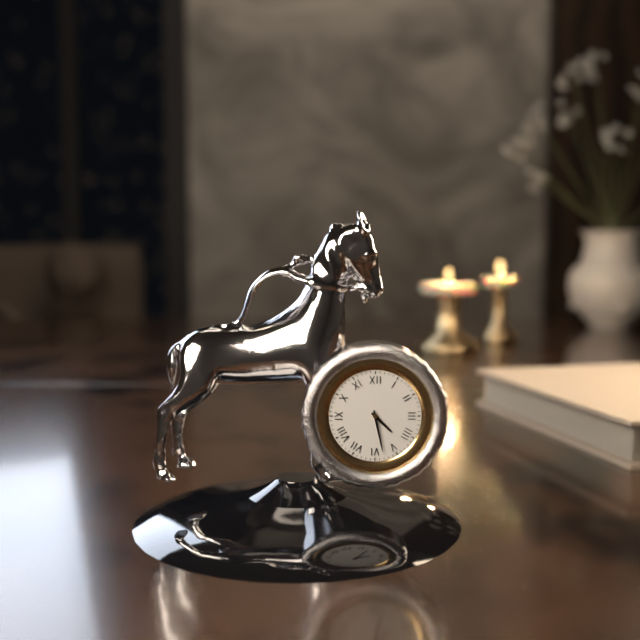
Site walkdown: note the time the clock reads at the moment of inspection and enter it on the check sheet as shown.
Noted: 4:28
